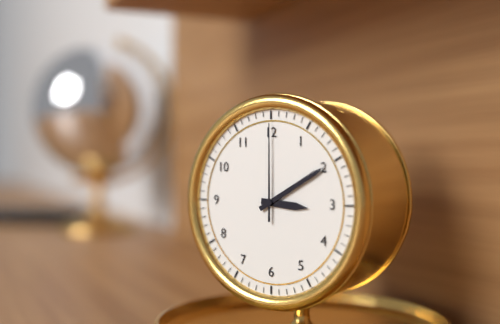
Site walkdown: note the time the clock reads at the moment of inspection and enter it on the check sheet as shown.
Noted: 3:10:00
